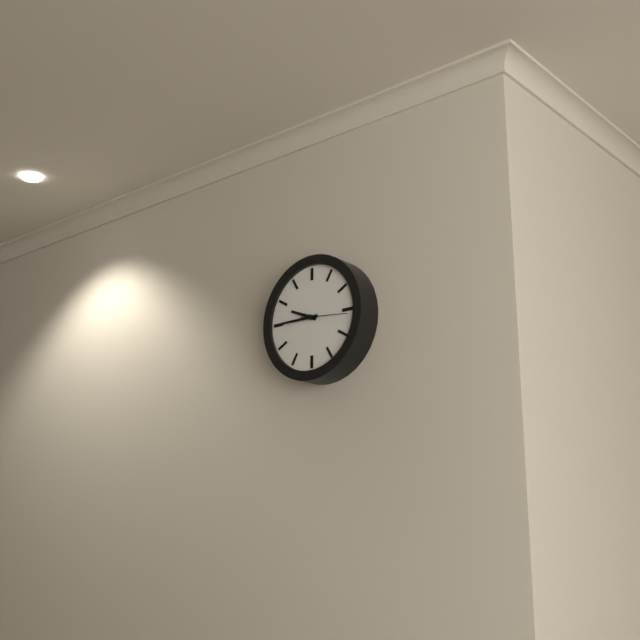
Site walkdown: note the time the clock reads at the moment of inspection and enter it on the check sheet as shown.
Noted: 9:45
